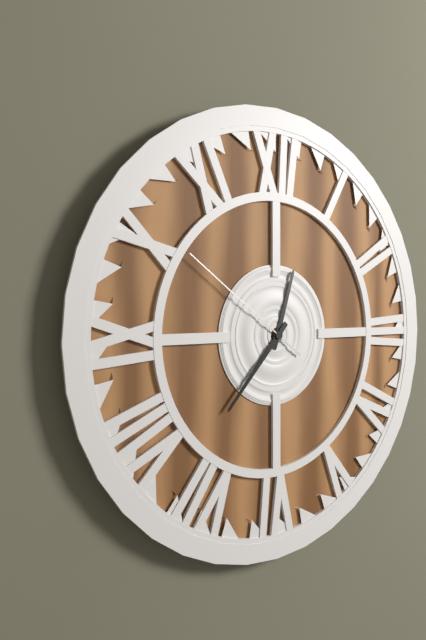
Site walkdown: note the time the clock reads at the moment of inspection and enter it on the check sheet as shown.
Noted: 12:37:51
